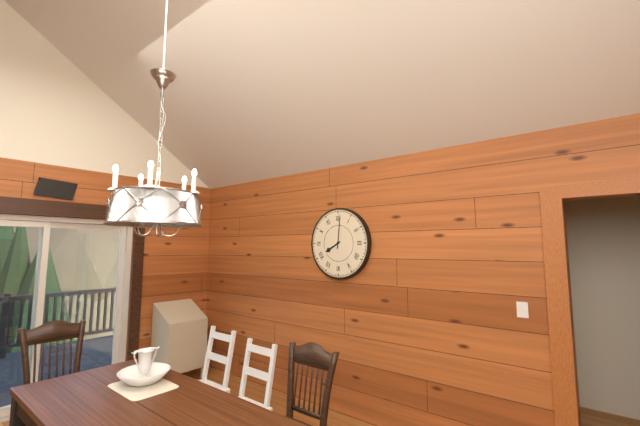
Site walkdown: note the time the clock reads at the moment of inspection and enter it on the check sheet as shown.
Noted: 8:01
